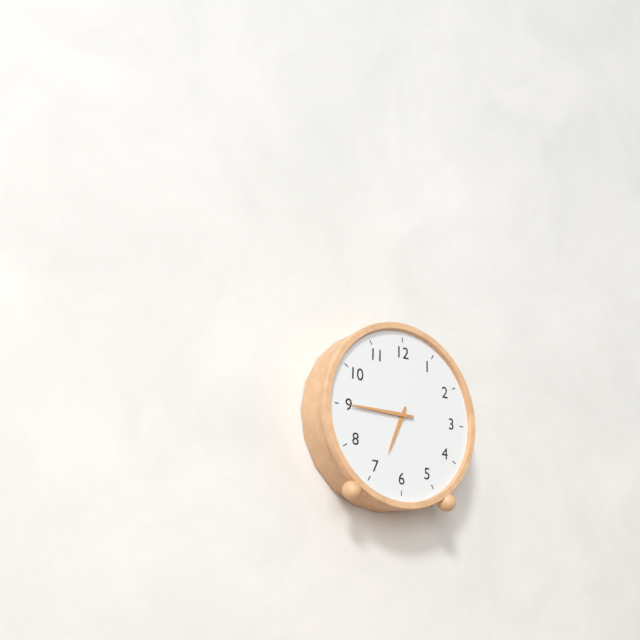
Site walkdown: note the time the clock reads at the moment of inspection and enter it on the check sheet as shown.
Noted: 6:45
